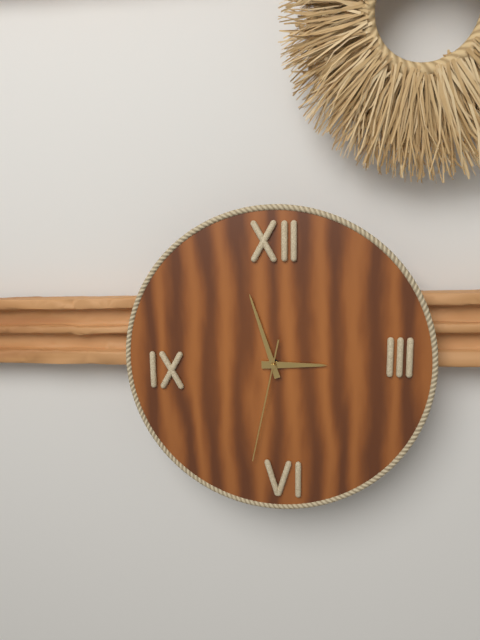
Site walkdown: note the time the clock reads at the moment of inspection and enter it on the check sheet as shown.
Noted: 2:57:32
